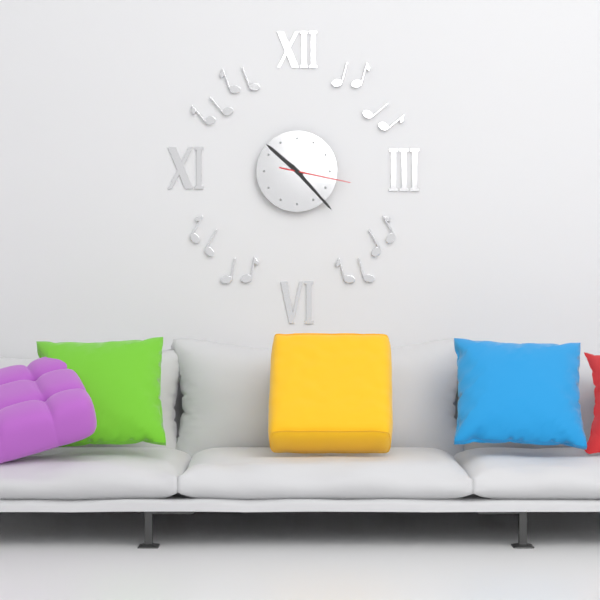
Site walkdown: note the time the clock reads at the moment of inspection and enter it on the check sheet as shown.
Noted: 10:23:17
